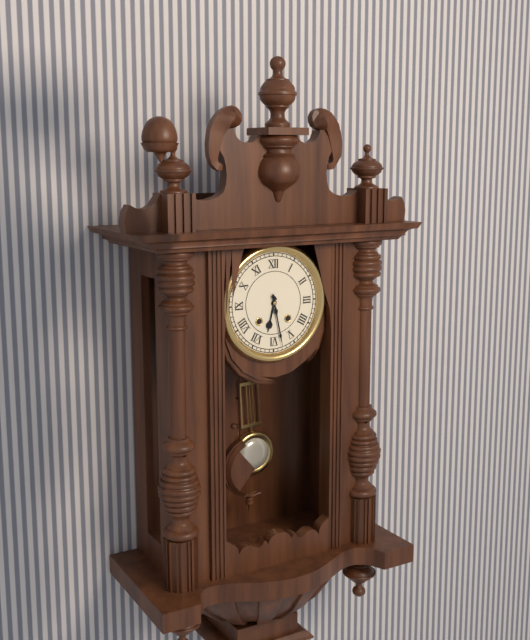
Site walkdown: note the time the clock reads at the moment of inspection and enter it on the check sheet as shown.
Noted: 6:28
